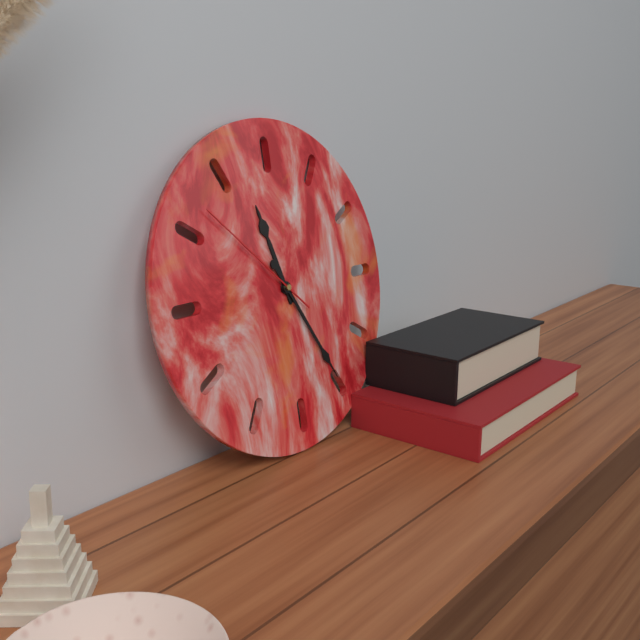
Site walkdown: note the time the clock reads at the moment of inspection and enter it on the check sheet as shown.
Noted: 11:25:52
